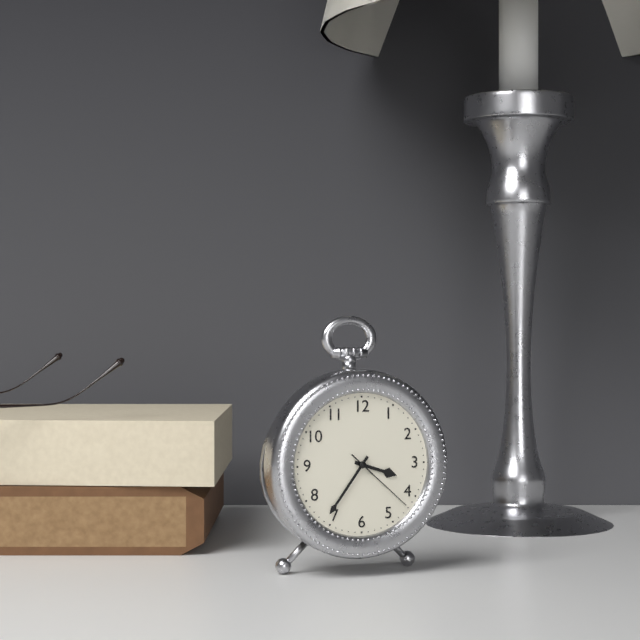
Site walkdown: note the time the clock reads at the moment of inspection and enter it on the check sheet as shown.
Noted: 3:36:22
